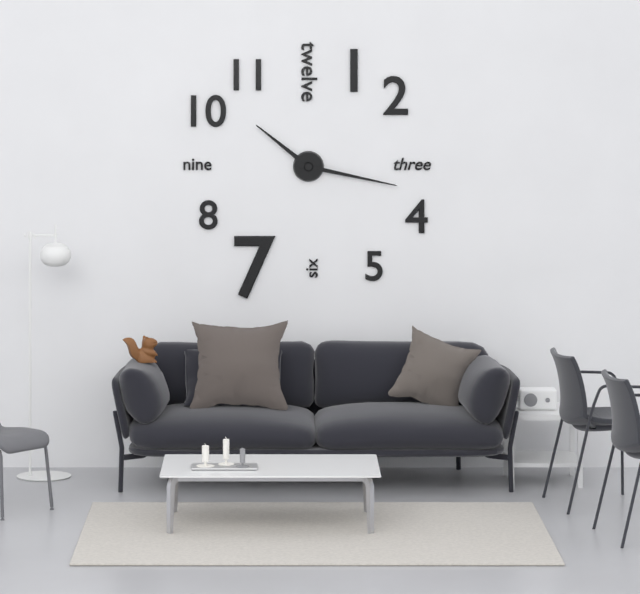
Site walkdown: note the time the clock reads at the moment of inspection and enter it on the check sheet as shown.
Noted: 10:17
